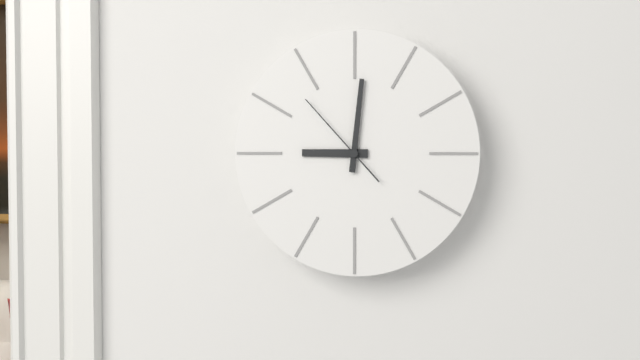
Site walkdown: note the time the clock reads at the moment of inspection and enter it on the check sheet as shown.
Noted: 9:01:53
